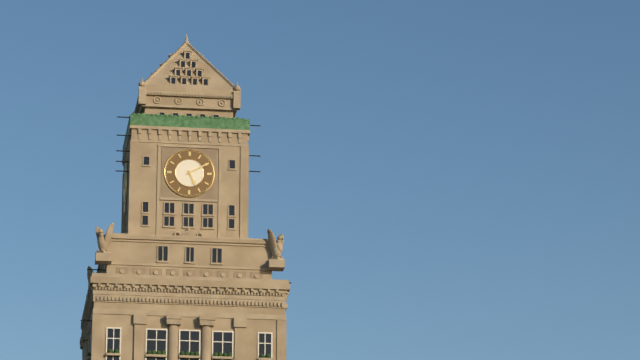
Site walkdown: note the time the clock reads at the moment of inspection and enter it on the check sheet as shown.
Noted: 5:10
